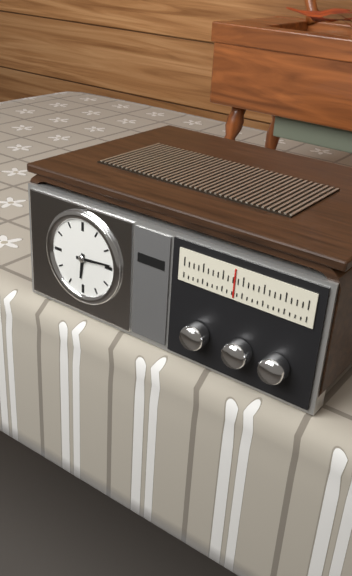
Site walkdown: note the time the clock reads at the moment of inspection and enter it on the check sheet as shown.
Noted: 6:14
